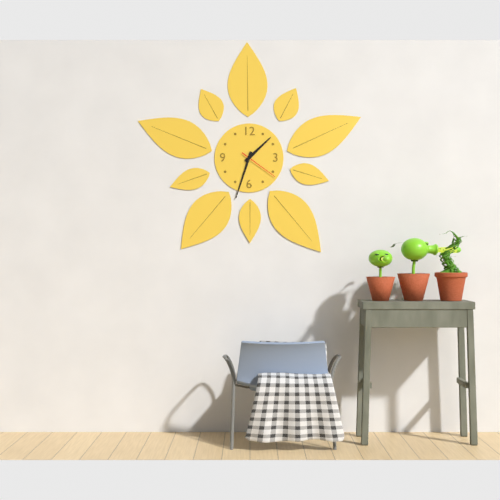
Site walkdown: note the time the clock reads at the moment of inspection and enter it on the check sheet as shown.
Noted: 1:33
